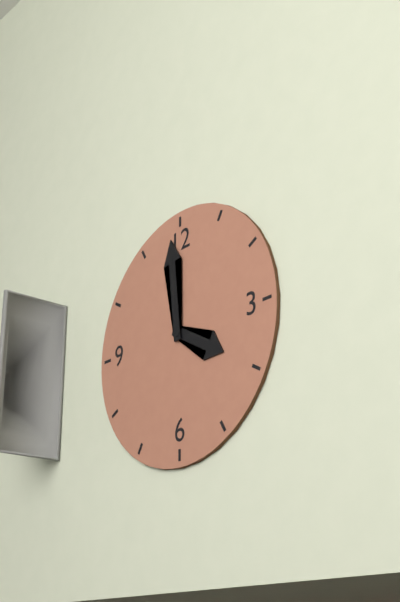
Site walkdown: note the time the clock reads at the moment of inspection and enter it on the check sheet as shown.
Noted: 3:59
